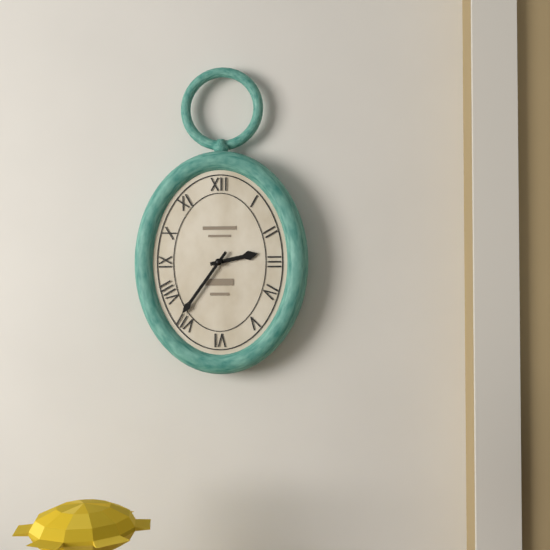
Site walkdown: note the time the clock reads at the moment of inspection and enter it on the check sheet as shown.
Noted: 2:36
